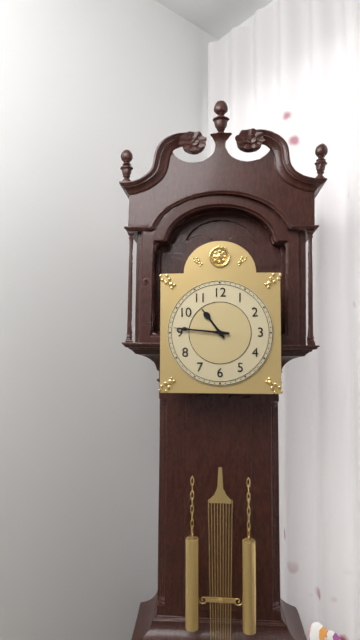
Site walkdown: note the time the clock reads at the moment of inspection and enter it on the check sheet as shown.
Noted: 10:46
